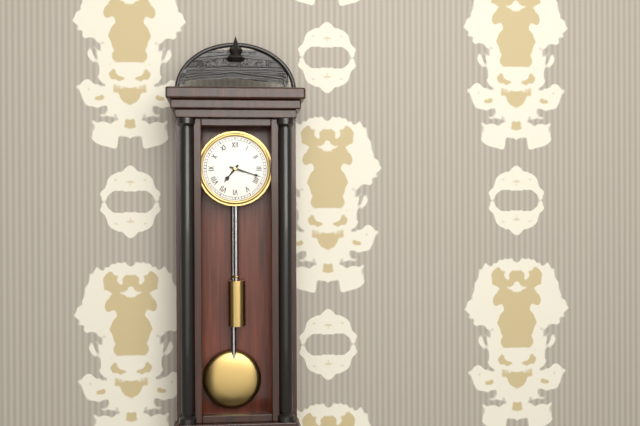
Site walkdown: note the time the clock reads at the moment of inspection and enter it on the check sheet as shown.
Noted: 7:18
